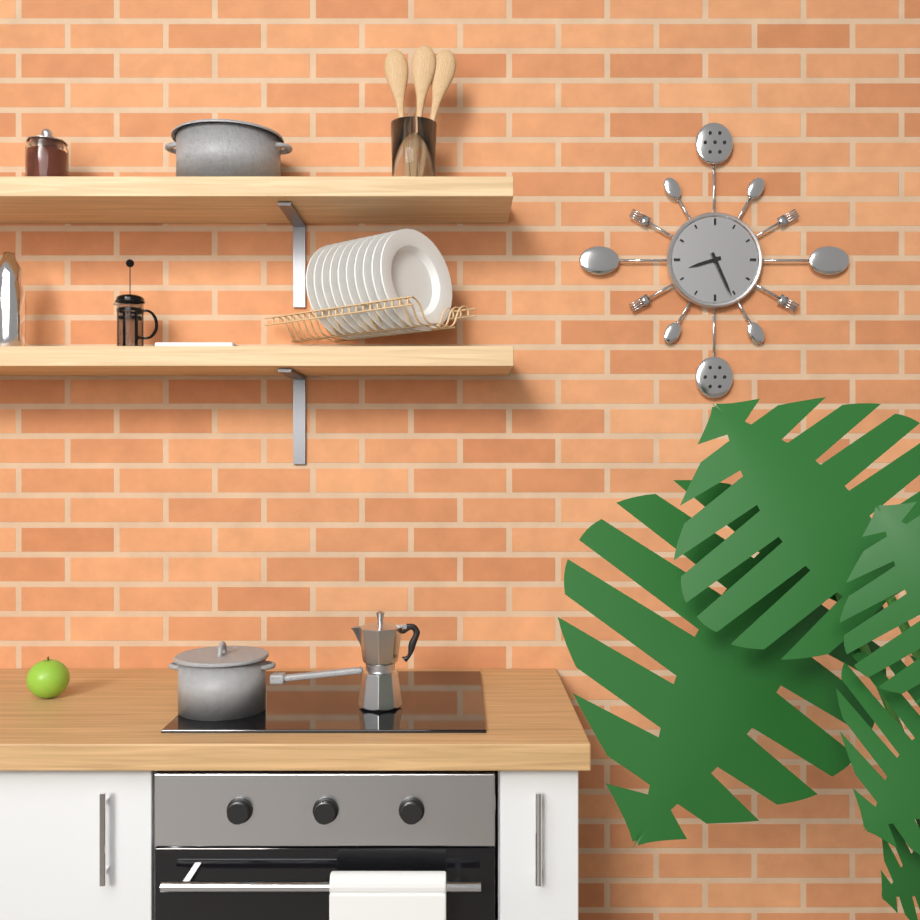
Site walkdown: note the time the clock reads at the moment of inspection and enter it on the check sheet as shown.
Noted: 8:26
